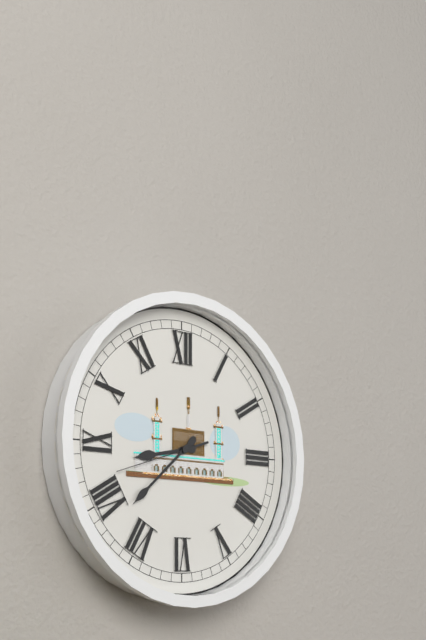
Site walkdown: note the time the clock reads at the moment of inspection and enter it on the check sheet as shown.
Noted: 8:38:42
